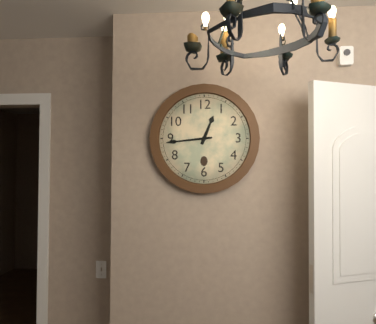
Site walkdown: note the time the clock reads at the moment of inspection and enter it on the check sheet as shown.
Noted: 12:44
